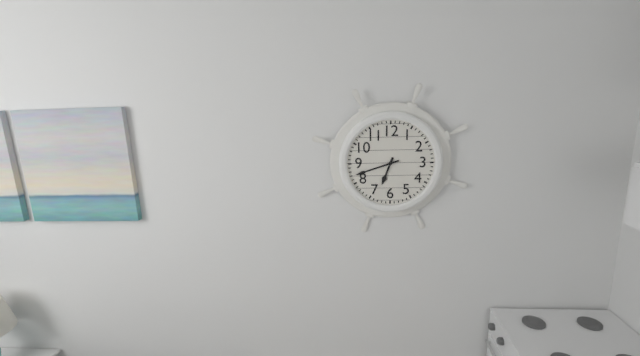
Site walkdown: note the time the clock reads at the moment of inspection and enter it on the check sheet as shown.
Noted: 6:42
